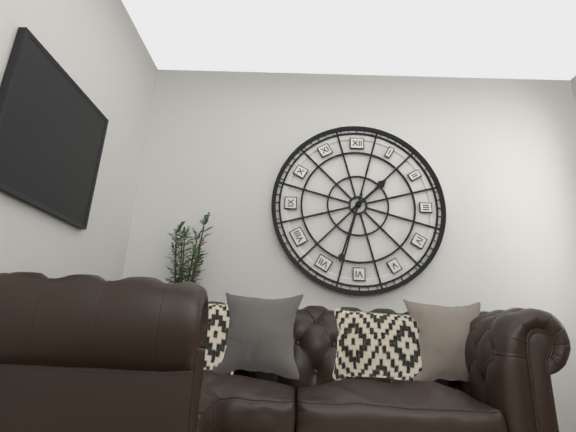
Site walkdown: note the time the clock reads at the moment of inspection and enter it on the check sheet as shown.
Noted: 1:33
